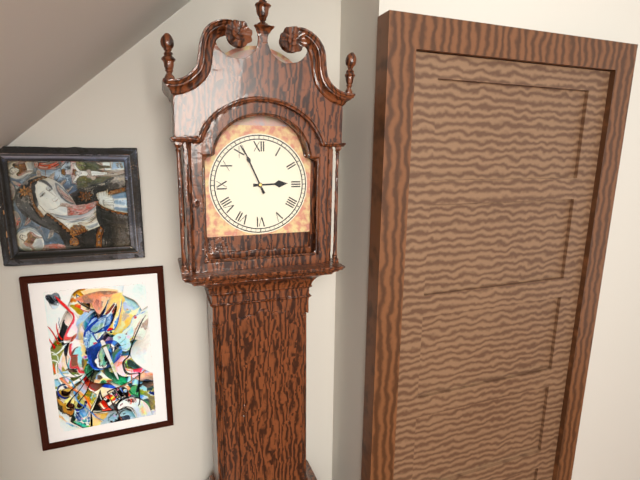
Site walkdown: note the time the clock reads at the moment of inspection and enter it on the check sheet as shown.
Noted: 2:56
